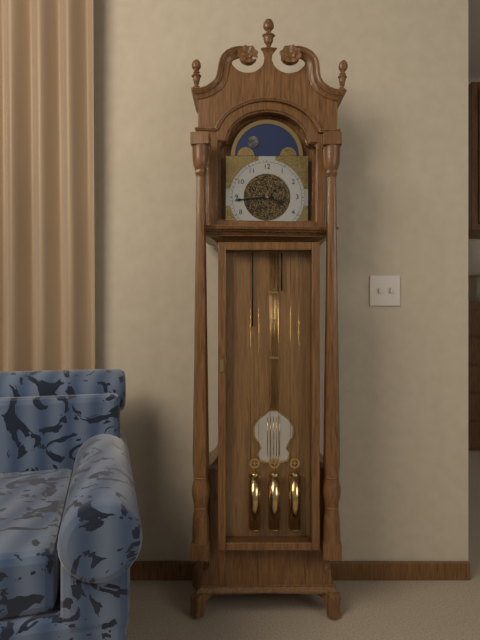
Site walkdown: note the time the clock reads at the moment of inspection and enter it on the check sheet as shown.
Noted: 3:44
